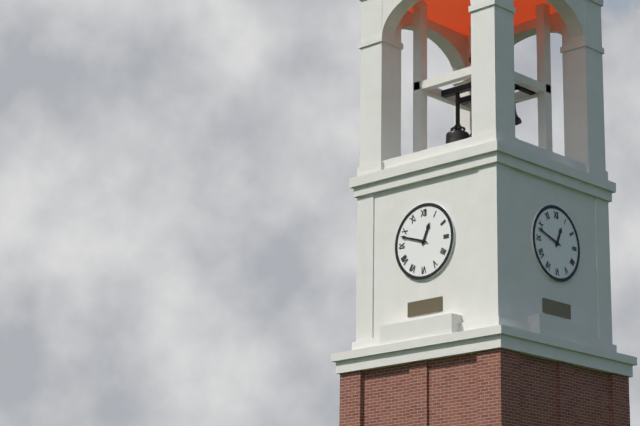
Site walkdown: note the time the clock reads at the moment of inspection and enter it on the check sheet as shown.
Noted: 12:48
